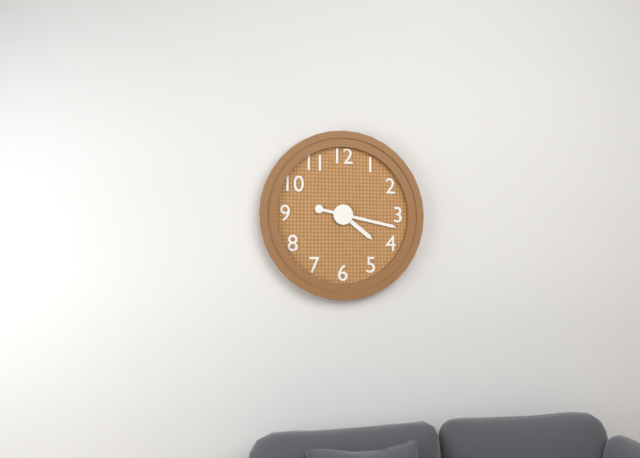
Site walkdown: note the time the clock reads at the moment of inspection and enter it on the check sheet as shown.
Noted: 4:17
